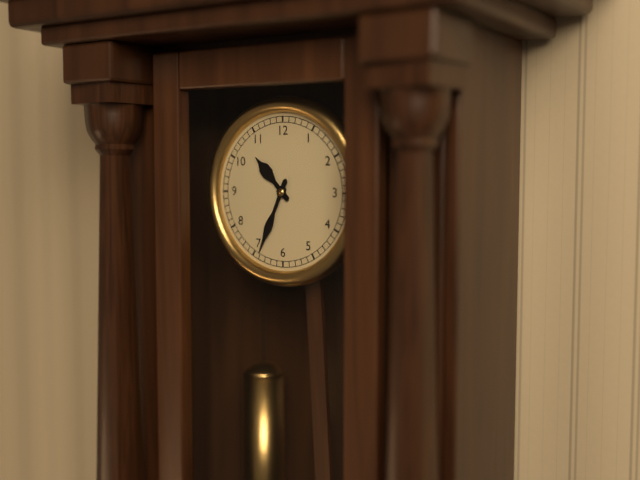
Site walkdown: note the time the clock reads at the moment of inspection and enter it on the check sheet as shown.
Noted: 10:34
